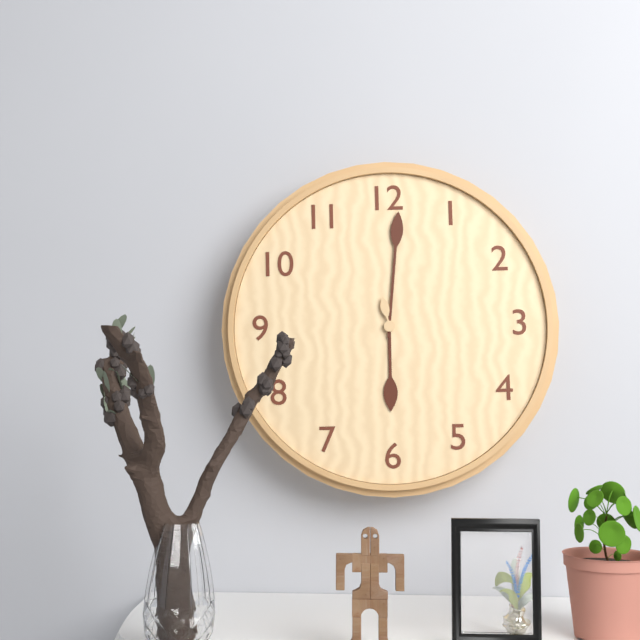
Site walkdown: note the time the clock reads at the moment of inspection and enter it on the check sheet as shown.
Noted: 6:01
